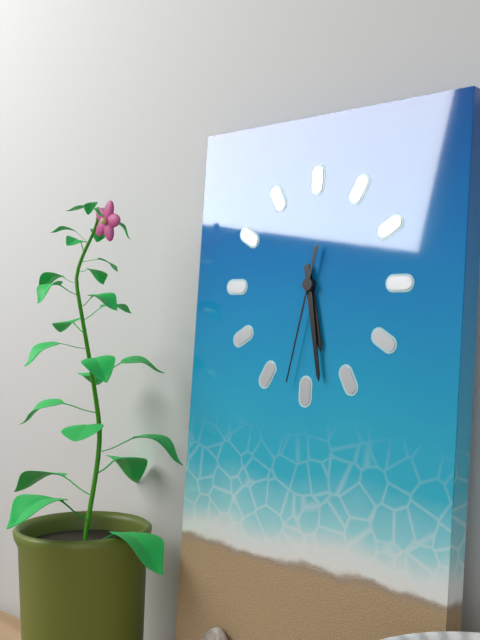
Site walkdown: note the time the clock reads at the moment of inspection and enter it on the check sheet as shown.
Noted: 5:28:32
